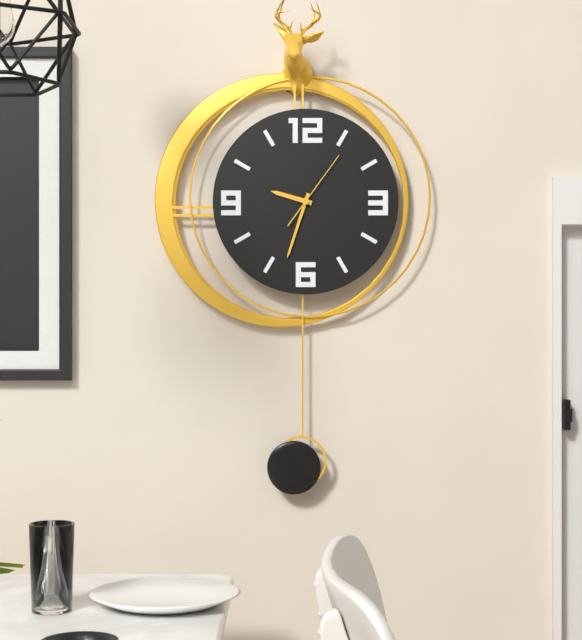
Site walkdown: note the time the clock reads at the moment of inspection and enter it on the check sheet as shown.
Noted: 9:33:06
